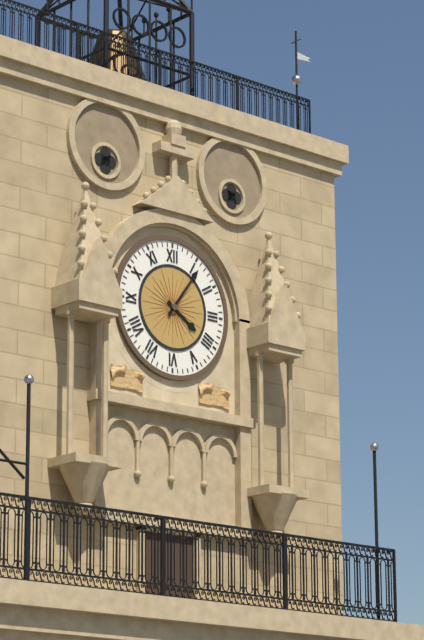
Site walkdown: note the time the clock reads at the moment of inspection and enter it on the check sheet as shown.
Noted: 4:06
